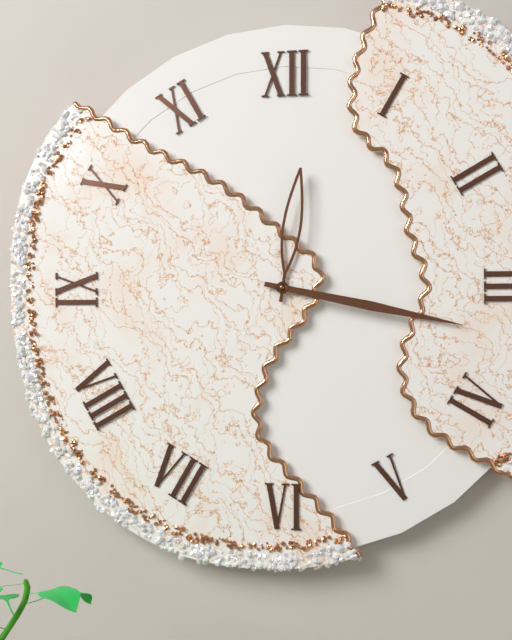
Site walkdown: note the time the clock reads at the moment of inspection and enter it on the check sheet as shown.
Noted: 12:17
